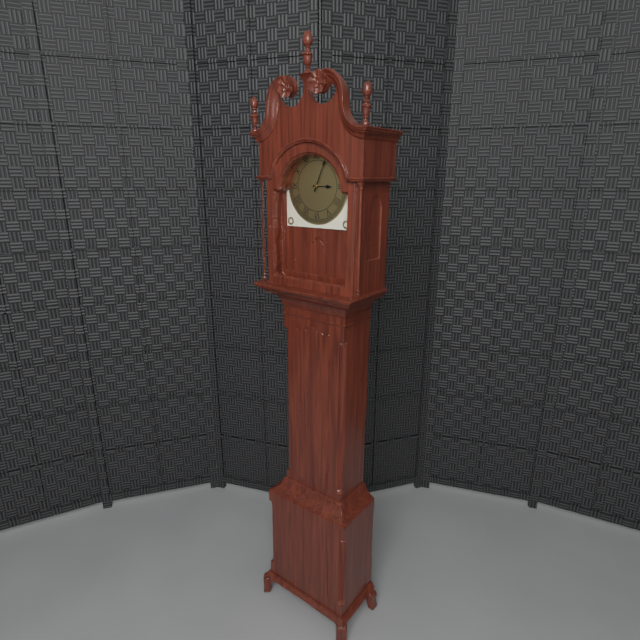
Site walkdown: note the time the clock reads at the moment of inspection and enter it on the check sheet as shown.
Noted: 3:04
